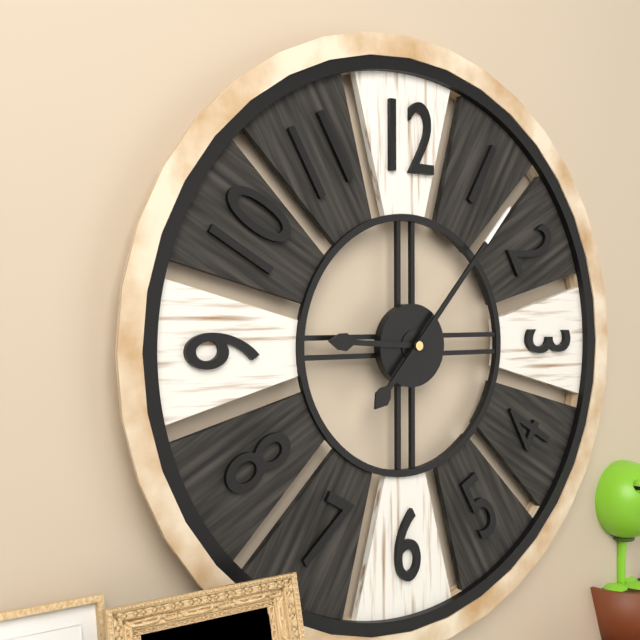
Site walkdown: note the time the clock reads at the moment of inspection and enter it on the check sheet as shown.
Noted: 9:07
